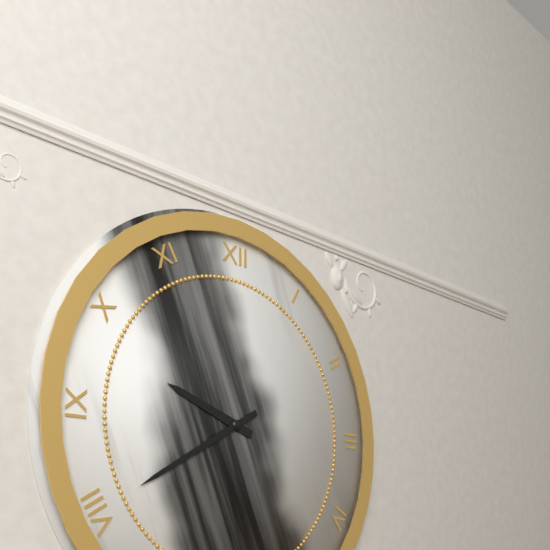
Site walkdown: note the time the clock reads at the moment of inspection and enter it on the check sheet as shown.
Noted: 9:40
